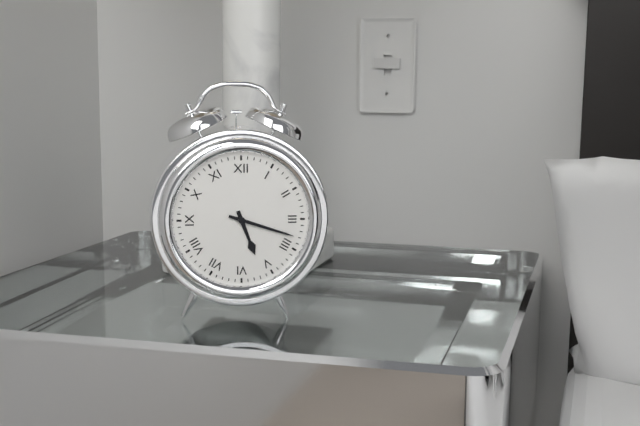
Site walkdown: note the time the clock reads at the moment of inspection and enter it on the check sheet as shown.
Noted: 5:18
